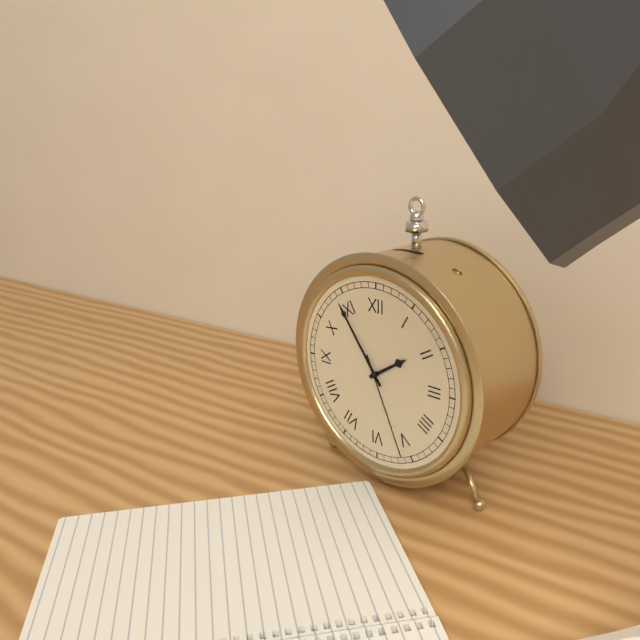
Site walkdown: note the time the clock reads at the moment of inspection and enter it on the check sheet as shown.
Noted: 1:54:26
